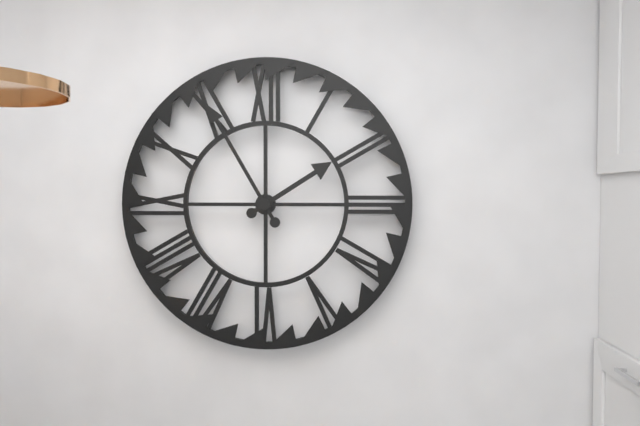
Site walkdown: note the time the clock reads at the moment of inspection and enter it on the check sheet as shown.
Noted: 1:55
